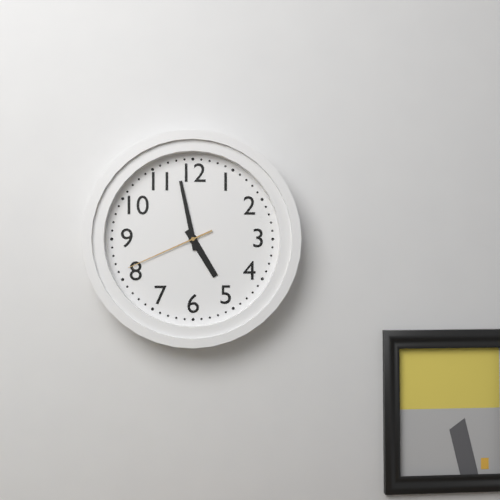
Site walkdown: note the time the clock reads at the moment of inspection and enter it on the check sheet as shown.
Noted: 4:58:41
